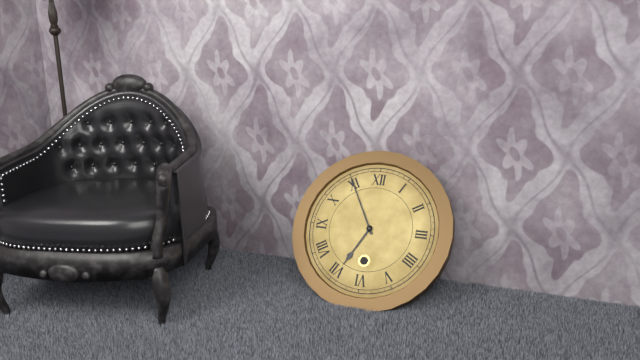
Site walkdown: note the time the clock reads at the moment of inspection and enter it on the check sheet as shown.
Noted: 6:55
